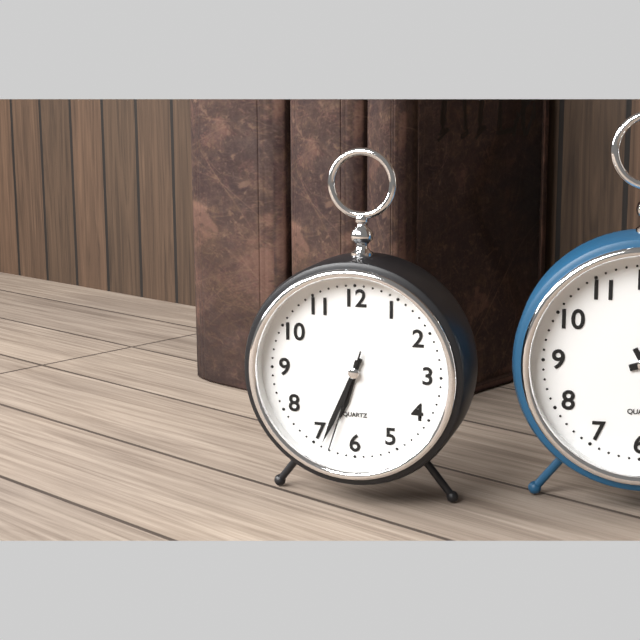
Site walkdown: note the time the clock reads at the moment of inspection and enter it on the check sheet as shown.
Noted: 6:34:33
